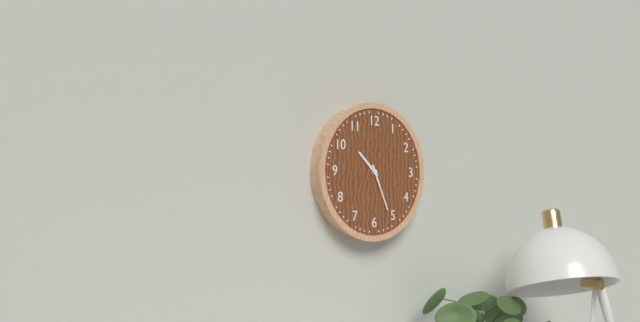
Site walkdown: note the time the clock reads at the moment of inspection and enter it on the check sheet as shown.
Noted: 10:26
